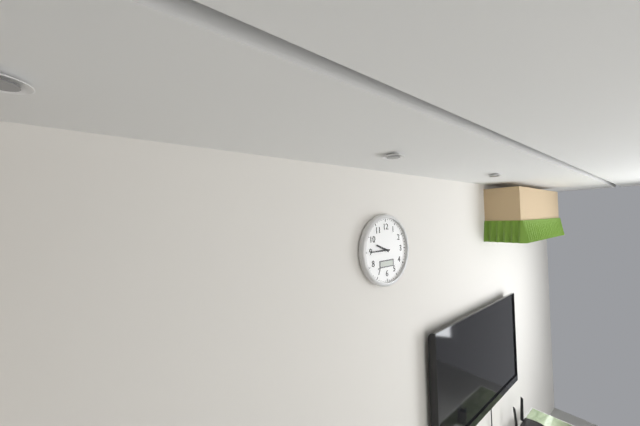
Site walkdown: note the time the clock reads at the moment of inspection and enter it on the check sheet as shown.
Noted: 9:45
